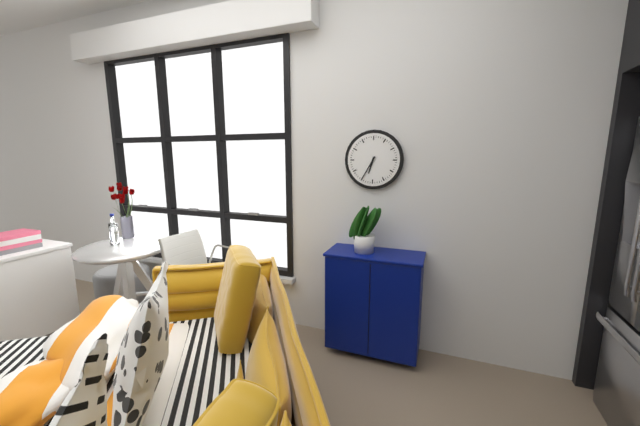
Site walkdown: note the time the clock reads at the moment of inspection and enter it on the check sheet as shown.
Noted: 6:35
